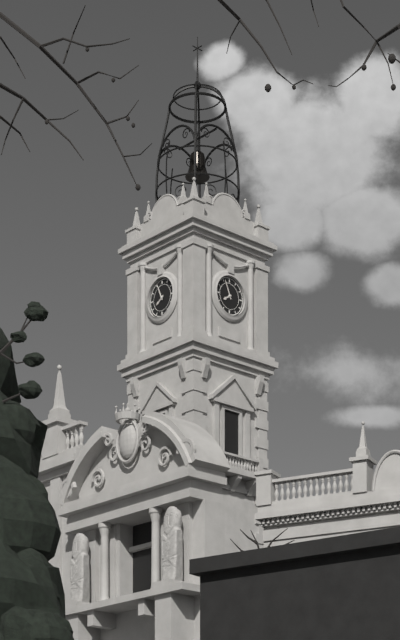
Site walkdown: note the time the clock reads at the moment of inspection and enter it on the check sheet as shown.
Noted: 7:56
